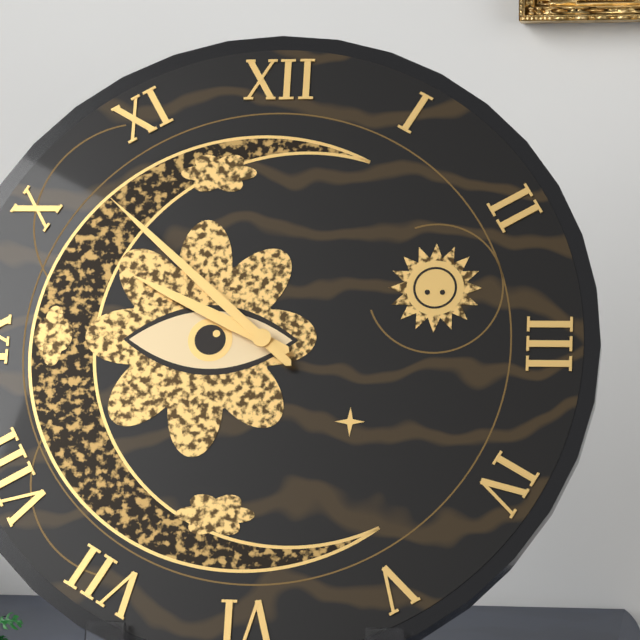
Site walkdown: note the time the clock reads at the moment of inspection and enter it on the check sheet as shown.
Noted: 9:52
